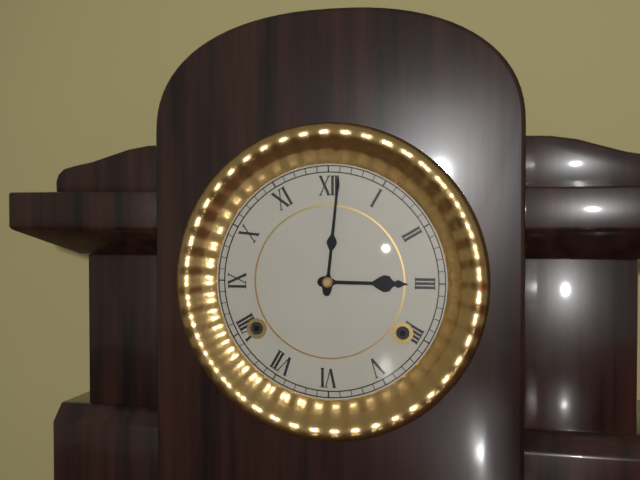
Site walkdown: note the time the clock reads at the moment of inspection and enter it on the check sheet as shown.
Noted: 3:01
